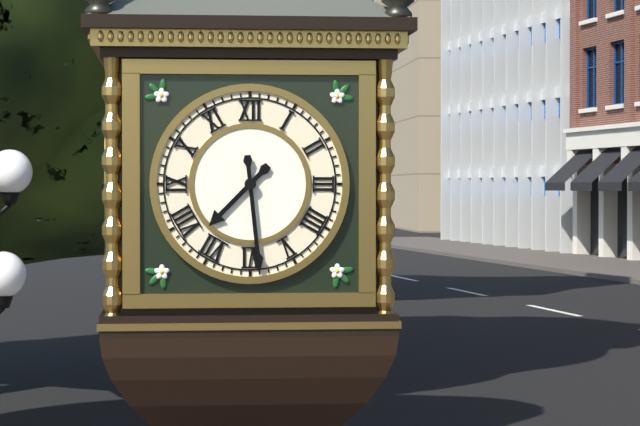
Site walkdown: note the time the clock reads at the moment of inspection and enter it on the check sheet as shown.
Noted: 7:29
